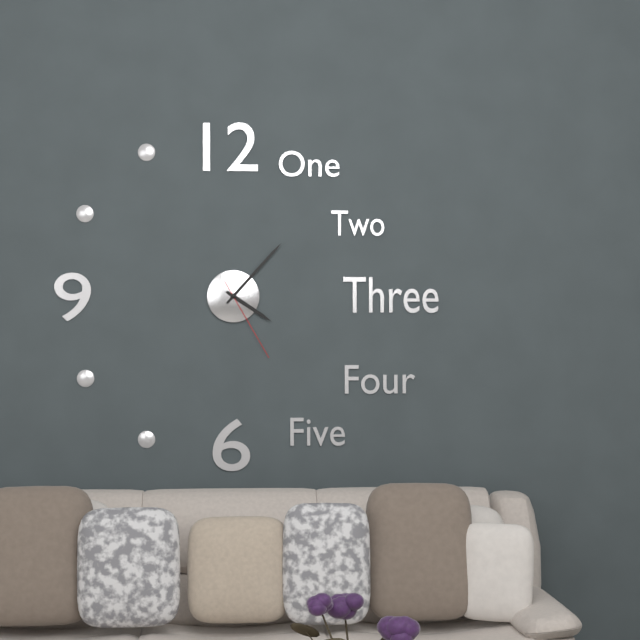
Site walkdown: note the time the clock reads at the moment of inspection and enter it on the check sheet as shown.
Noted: 4:07:25
